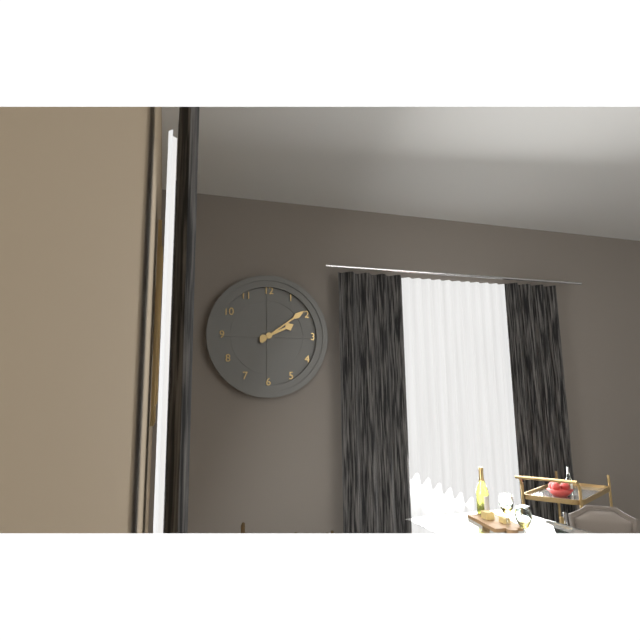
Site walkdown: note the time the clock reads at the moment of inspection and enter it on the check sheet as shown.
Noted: 2:09
